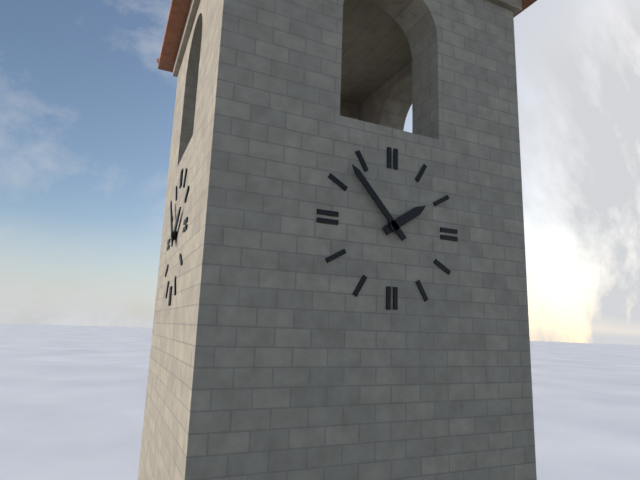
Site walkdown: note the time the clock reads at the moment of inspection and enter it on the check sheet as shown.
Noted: 1:53
